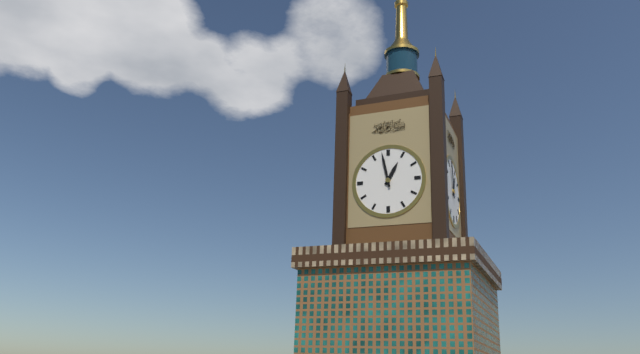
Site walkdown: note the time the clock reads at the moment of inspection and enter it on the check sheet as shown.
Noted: 12:58
